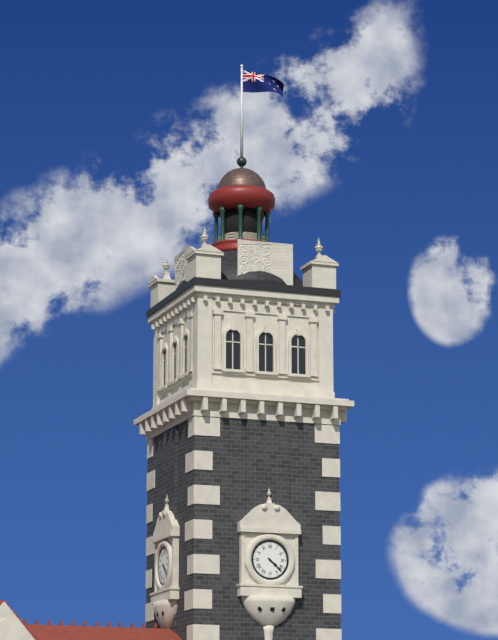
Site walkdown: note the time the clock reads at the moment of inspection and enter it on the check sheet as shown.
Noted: 4:22
